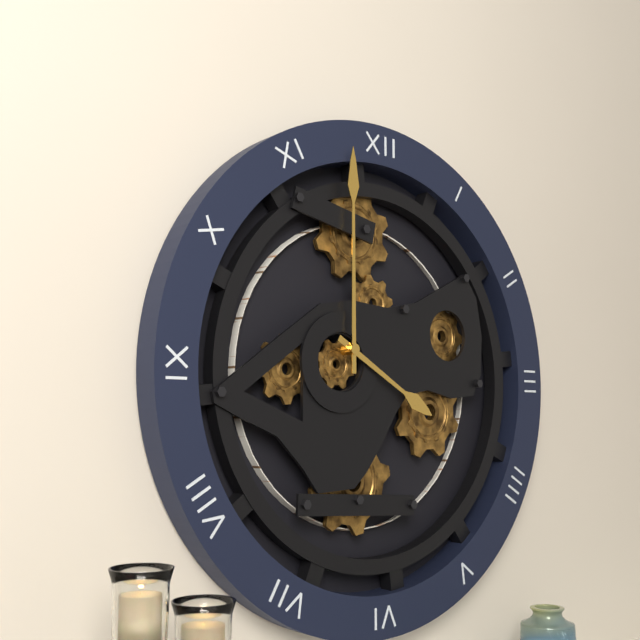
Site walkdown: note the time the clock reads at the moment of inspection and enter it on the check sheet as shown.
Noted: 4:00
